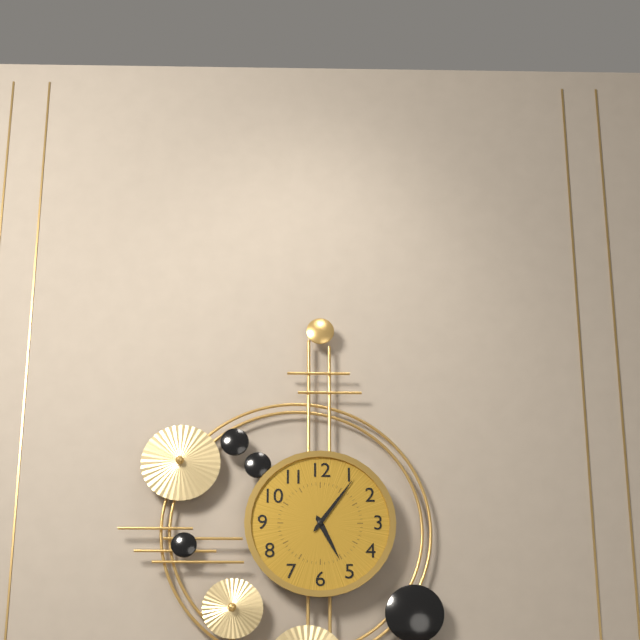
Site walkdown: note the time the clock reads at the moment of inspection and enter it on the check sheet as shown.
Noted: 5:06
